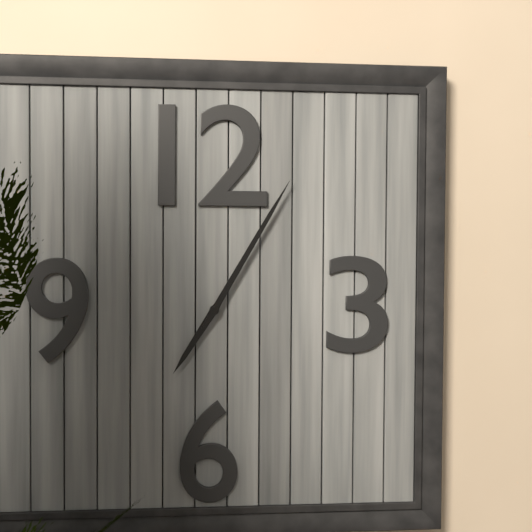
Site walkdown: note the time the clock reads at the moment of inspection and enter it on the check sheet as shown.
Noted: 7:05
